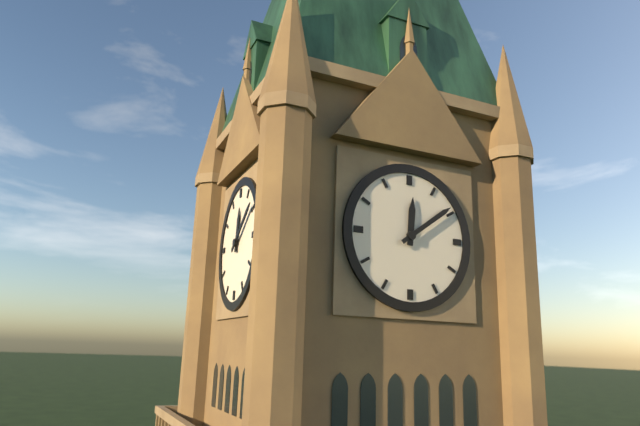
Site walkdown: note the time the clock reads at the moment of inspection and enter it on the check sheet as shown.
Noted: 12:09
